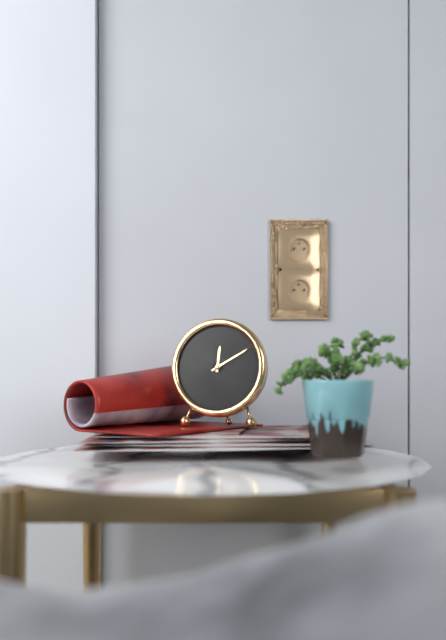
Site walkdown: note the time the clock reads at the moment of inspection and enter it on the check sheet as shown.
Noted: 12:10
